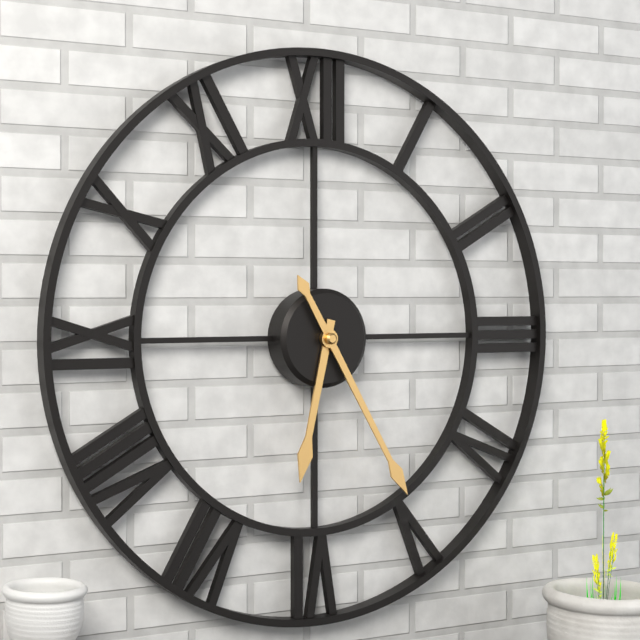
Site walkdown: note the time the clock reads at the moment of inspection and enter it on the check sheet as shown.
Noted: 6:25
